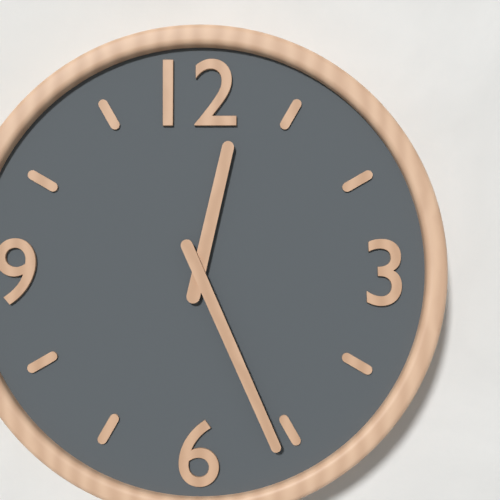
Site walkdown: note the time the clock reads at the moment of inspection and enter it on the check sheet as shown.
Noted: 12:26
